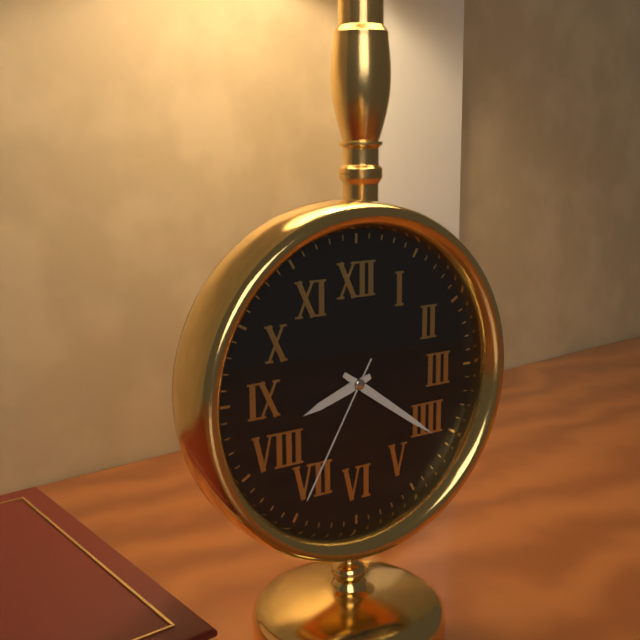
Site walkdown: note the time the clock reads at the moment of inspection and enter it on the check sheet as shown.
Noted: 8:21:35
